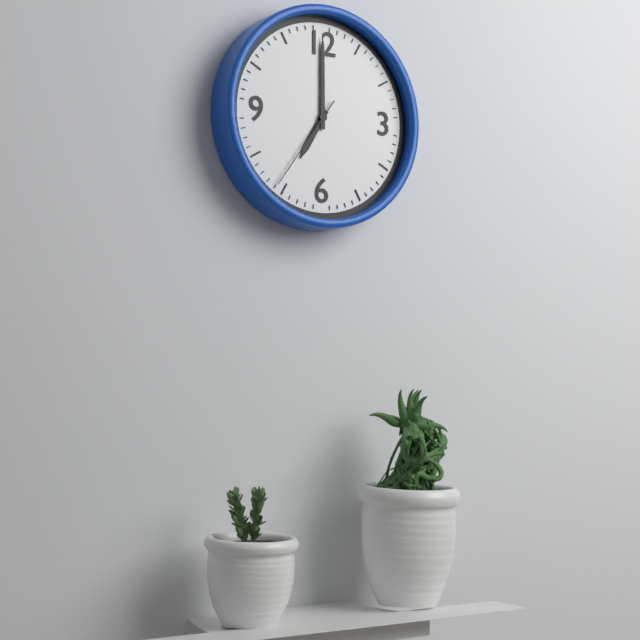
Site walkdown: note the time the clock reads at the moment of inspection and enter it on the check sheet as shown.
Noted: 7:00:36
